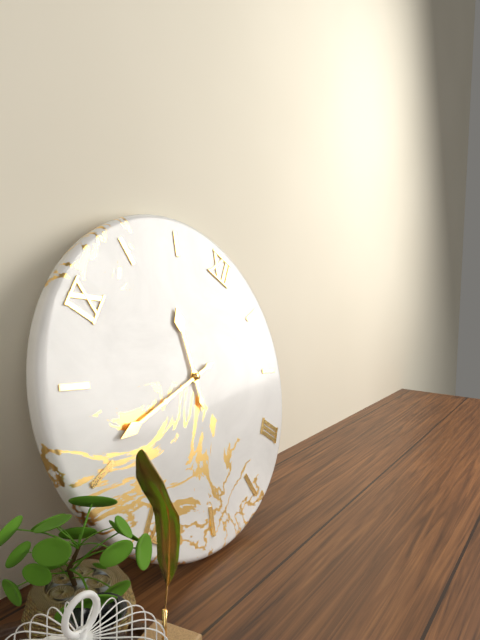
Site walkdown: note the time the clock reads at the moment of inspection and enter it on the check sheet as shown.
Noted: 10:36
